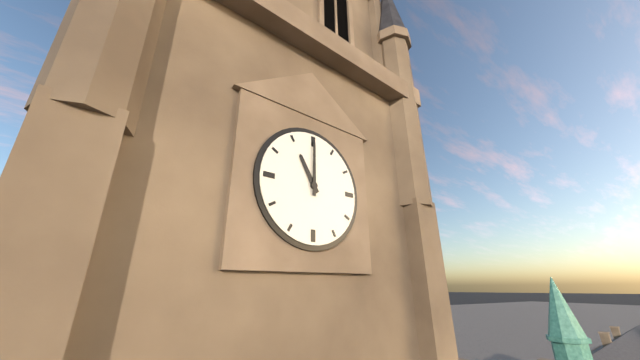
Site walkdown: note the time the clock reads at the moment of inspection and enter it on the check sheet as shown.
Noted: 11:00
